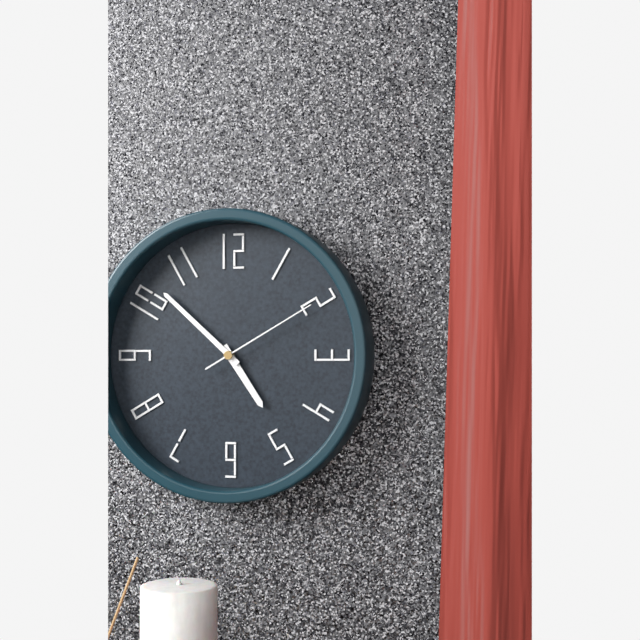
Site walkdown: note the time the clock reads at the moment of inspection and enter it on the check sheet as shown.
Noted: 4:52:10
